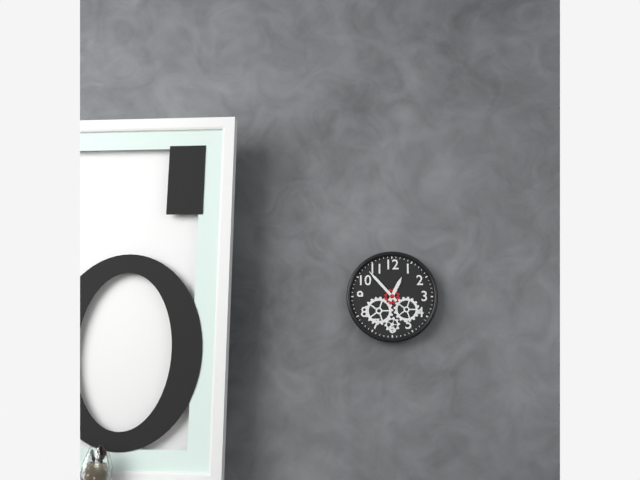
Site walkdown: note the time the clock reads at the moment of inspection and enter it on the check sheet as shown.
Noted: 12:53
